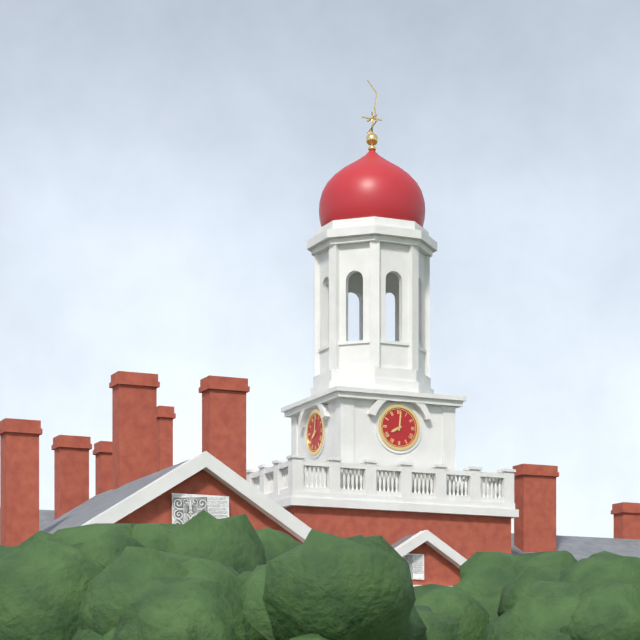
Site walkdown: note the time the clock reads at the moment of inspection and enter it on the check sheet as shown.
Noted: 8:01
